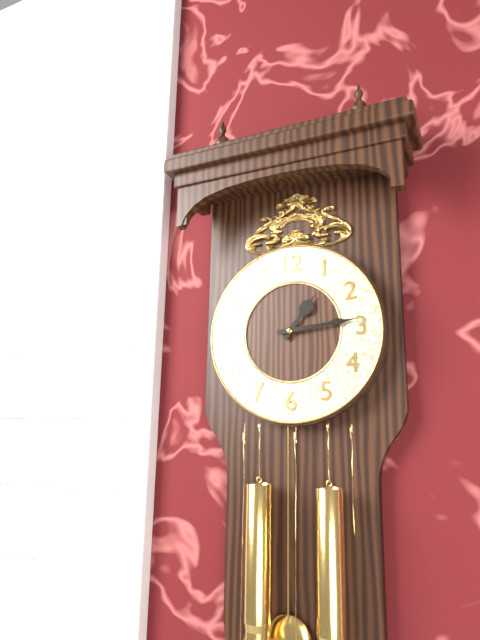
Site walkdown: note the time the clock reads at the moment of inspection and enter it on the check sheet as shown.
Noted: 1:14
